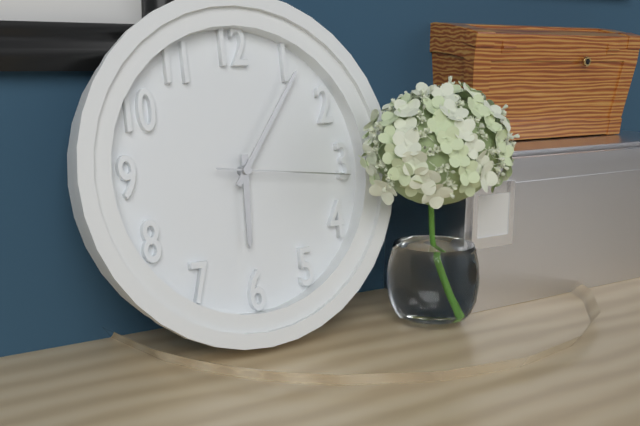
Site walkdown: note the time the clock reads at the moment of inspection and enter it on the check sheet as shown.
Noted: 6:06:16
